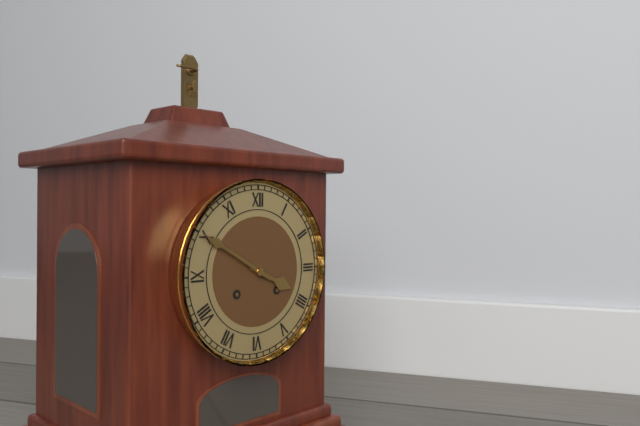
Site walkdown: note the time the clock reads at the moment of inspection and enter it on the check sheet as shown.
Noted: 3:50
